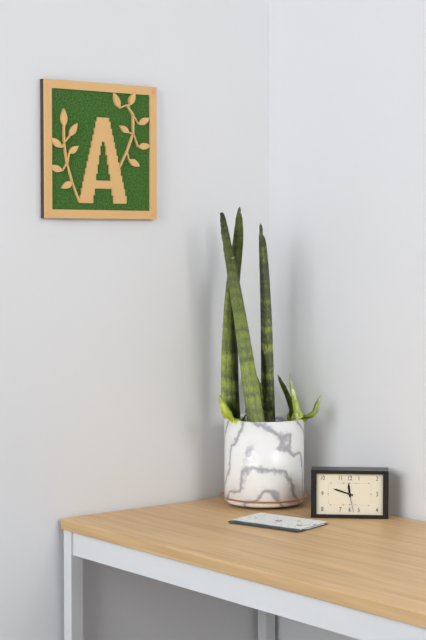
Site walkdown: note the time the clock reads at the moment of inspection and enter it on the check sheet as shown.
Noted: 11:48
